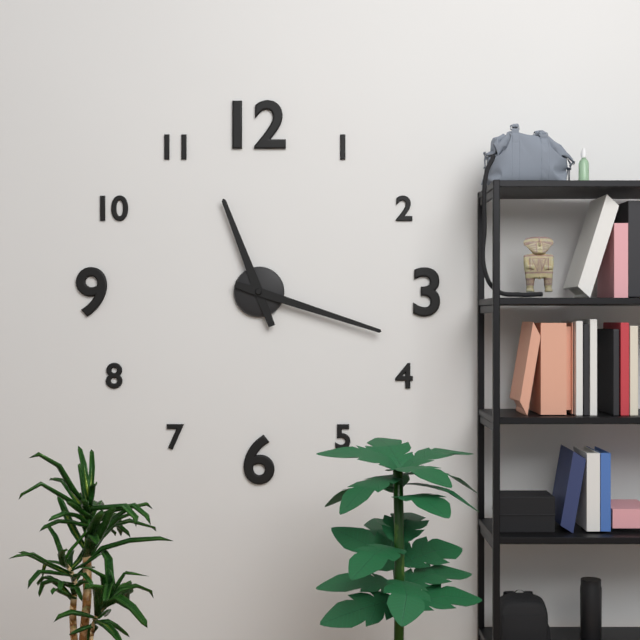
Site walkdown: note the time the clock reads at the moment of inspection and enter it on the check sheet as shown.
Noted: 11:18
